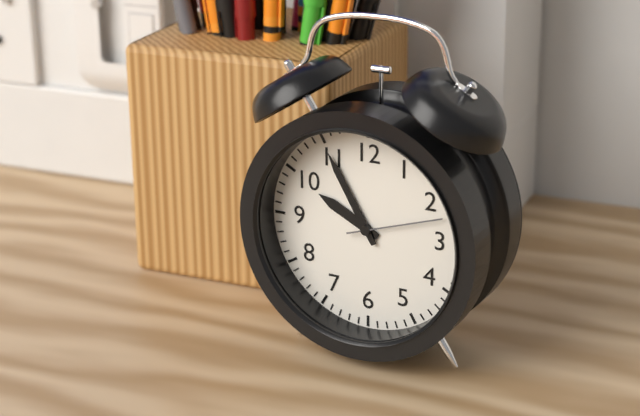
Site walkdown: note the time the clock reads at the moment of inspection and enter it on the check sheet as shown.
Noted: 9:55:12
